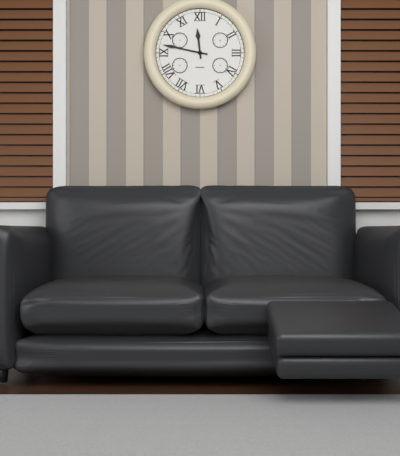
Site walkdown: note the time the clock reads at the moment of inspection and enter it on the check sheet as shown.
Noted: 11:47
